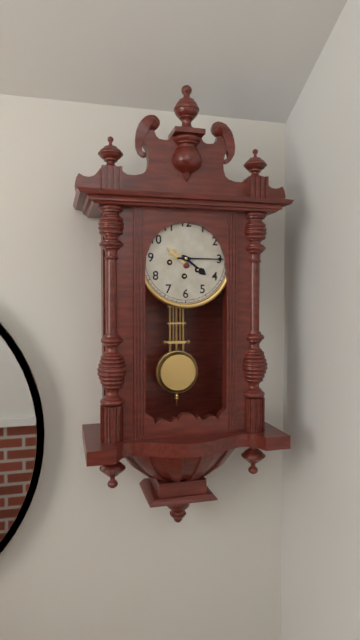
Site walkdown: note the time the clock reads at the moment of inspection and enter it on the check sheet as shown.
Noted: 4:15
